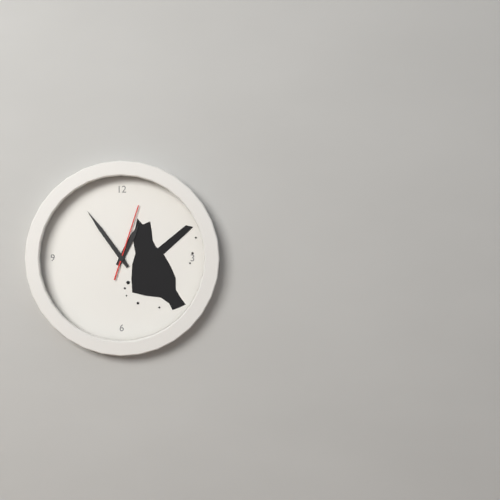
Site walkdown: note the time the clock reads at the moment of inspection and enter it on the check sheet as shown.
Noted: 12:54:03
